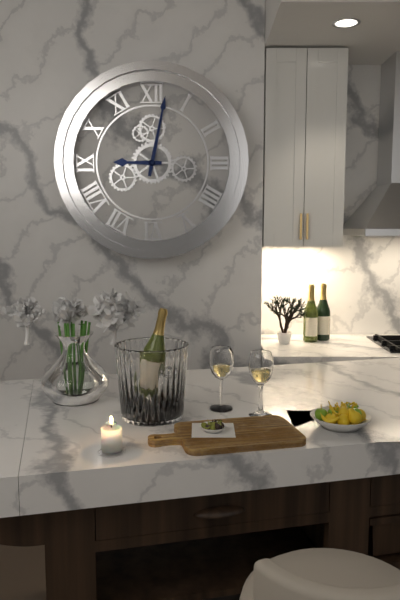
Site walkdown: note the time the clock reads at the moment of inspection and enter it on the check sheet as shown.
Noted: 9:02
